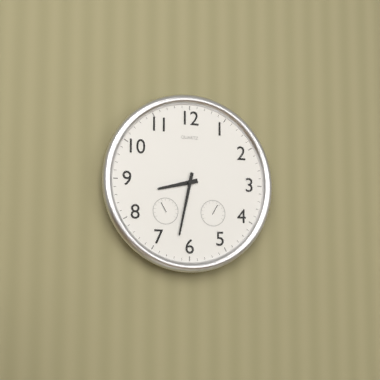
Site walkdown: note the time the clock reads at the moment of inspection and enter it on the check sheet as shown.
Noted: 8:32
